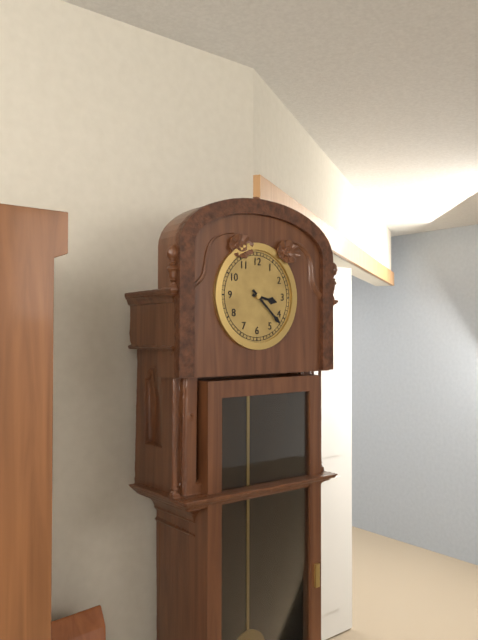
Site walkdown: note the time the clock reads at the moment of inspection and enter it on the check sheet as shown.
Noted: 3:22
